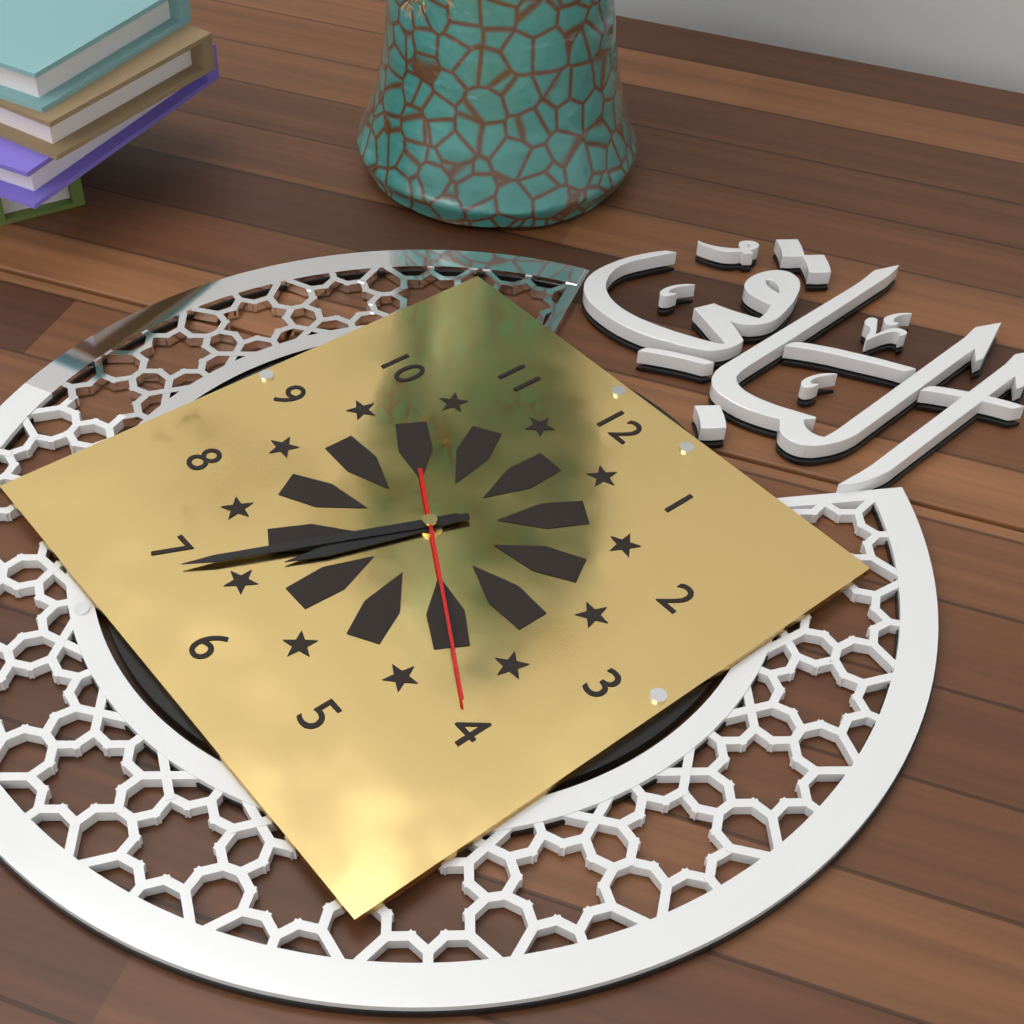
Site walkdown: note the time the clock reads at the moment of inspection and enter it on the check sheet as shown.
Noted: 6:34:20
